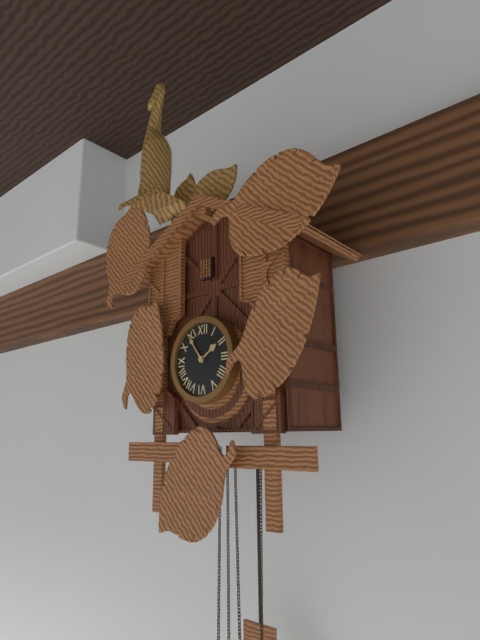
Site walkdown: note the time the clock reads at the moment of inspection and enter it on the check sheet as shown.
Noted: 1:54
